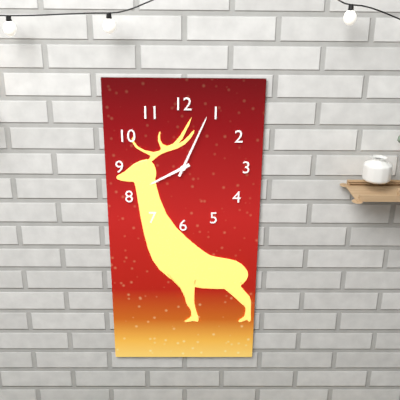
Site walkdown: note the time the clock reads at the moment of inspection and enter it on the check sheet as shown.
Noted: 8:04
